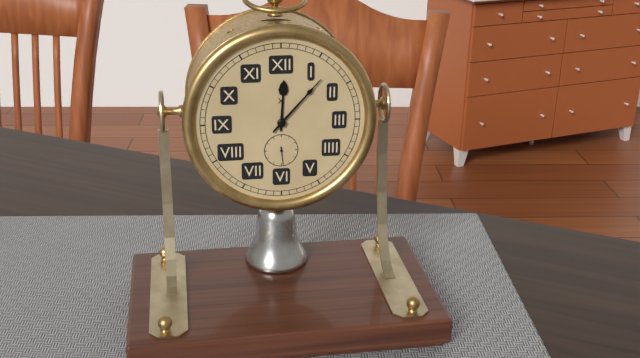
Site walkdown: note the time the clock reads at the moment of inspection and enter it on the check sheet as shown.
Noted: 12:07
